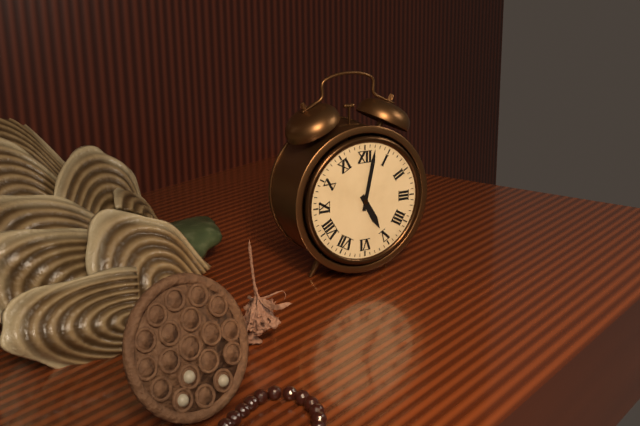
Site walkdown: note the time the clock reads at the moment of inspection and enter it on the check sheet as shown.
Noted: 5:02
